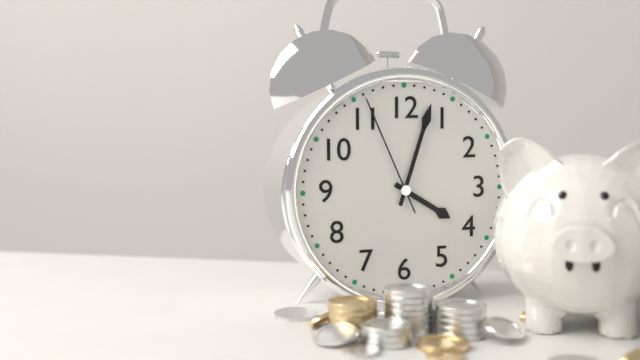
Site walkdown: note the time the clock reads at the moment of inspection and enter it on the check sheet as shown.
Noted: 4:03:56
